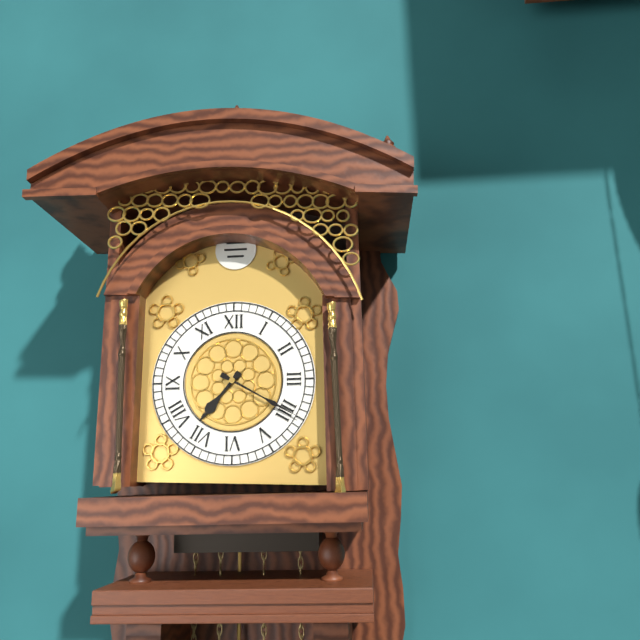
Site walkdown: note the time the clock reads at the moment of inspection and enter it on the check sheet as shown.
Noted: 7:20
